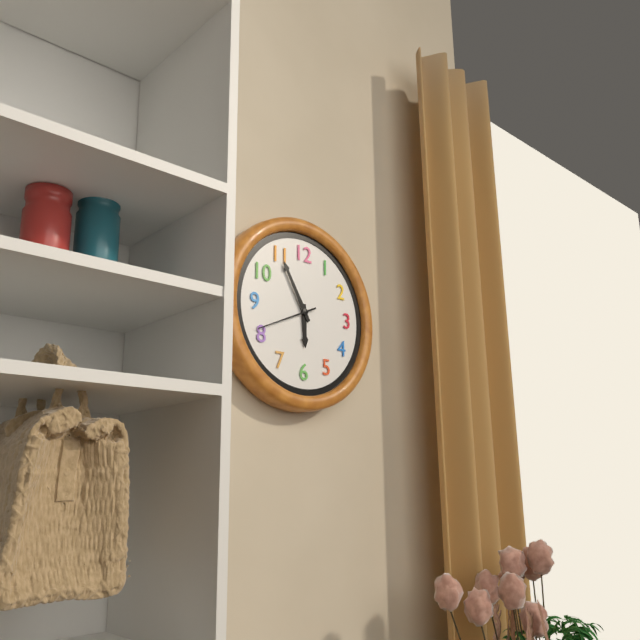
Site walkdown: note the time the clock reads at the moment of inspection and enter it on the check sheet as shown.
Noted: 5:55
